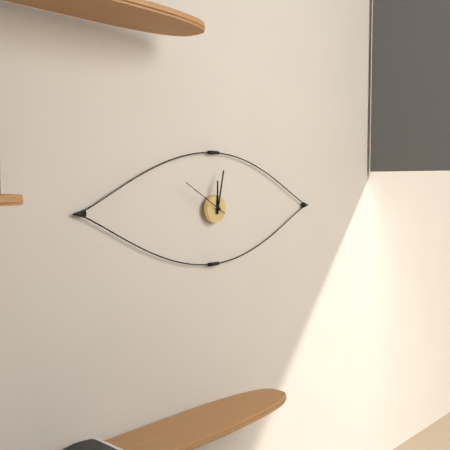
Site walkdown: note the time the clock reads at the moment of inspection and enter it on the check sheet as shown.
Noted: 12:02
